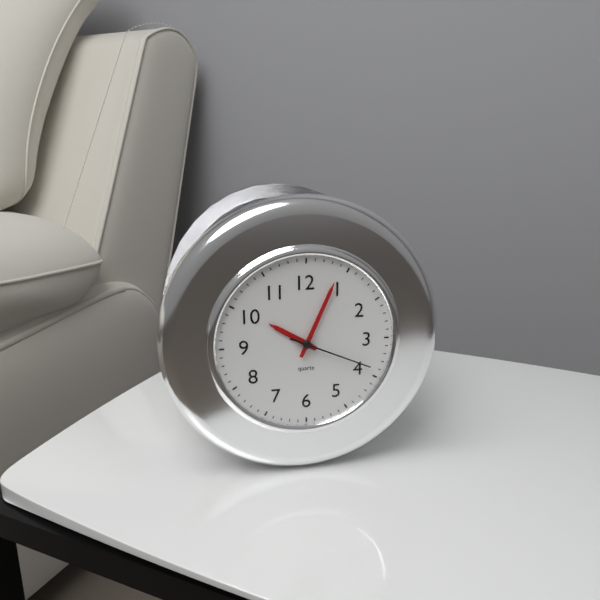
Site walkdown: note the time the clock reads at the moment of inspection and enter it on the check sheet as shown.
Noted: 10:04:19
